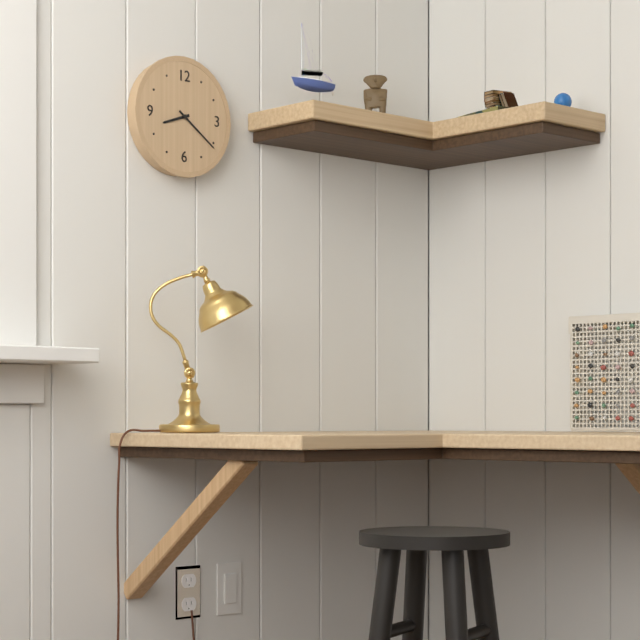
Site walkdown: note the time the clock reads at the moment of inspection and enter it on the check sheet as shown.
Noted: 8:21
